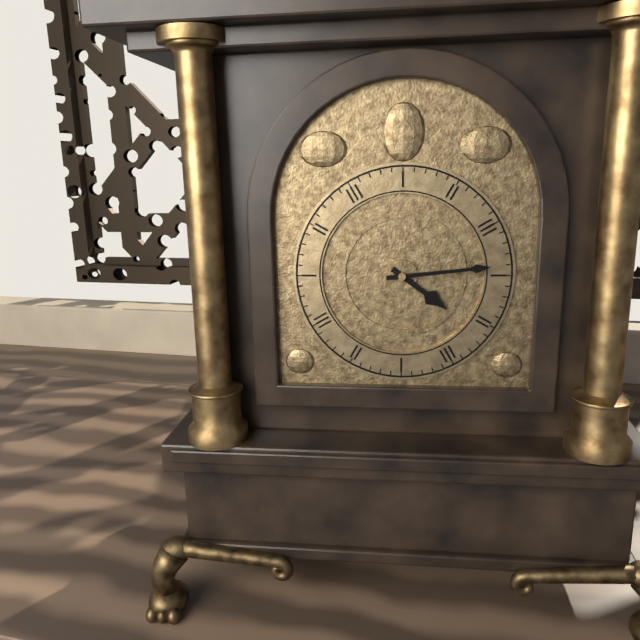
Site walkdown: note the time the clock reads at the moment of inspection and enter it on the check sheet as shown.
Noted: 4:14
